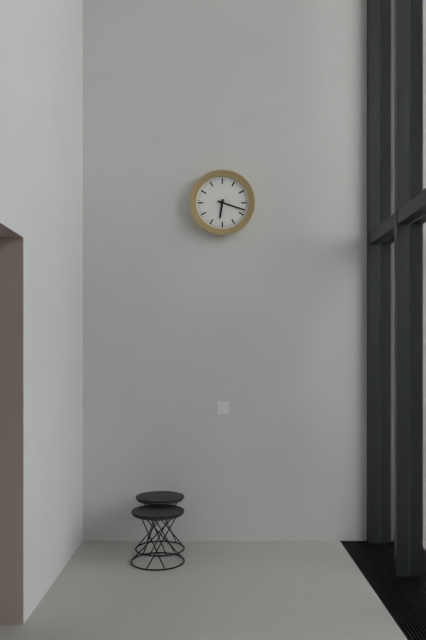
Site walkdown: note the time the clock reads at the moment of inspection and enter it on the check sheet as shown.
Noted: 6:18
